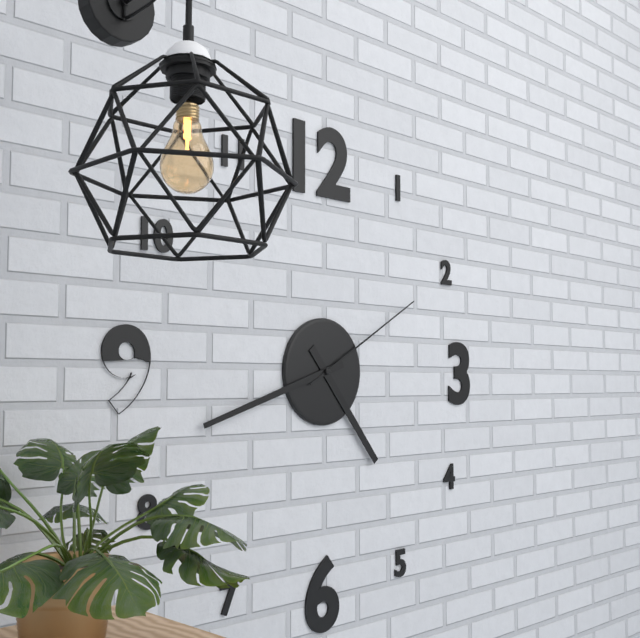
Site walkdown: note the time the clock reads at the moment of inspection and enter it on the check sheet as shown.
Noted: 4:42:10
